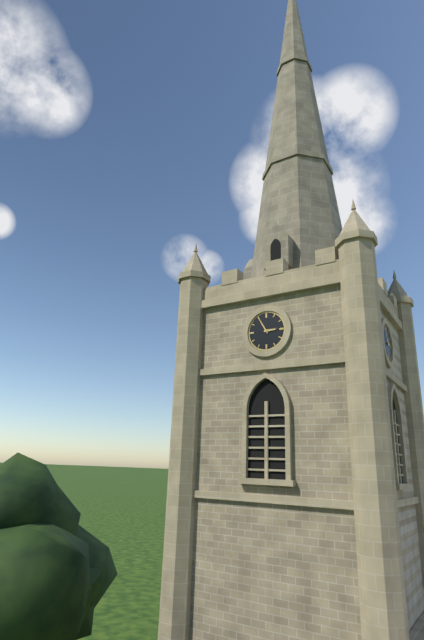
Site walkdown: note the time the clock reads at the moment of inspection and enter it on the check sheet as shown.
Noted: 2:55
